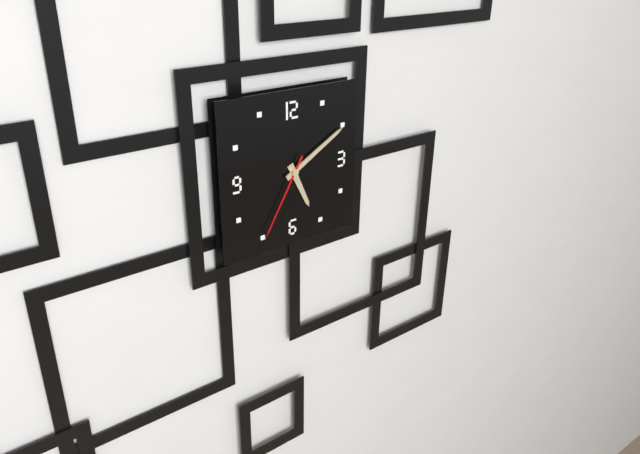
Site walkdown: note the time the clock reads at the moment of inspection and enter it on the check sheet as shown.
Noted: 5:10:35
